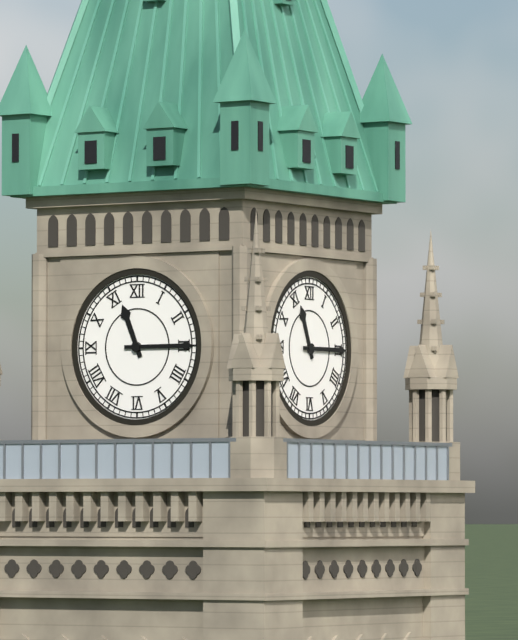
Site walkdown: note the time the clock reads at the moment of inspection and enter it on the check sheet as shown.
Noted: 11:15
